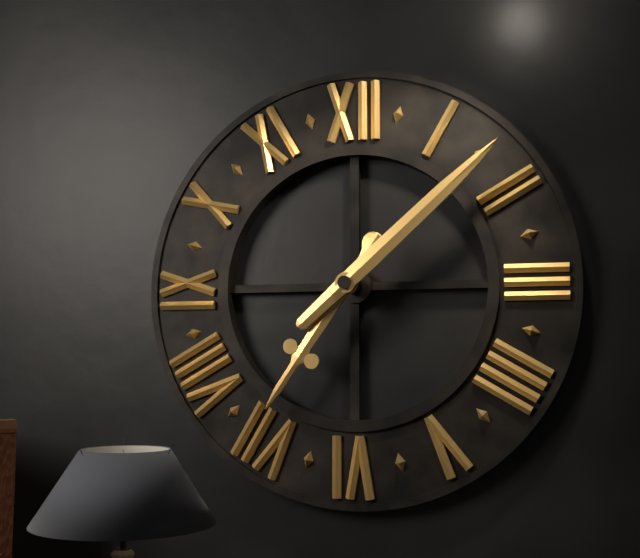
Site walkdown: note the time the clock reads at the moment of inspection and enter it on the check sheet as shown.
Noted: 7:08
